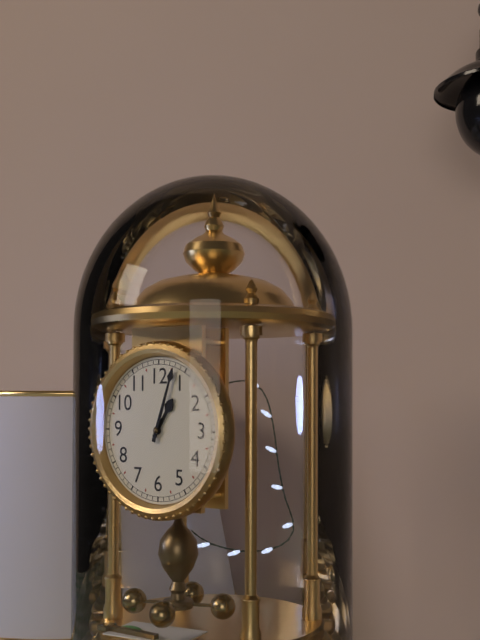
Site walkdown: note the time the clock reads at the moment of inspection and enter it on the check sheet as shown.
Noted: 1:03
